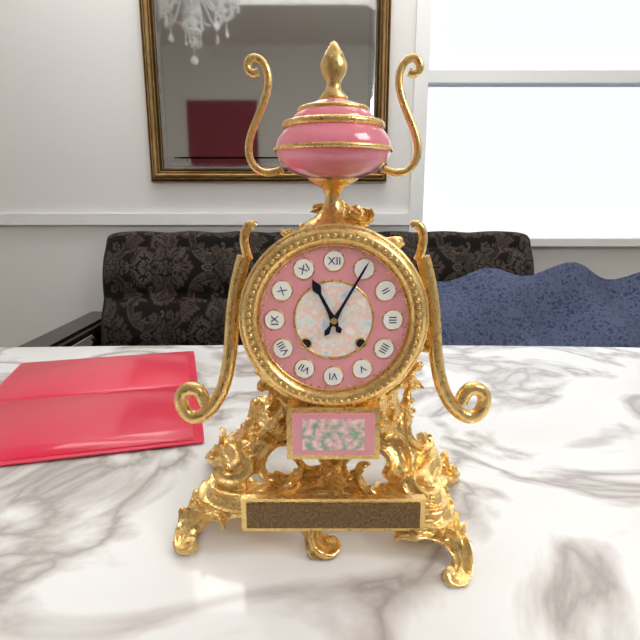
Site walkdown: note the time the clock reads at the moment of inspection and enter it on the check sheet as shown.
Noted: 11:05
